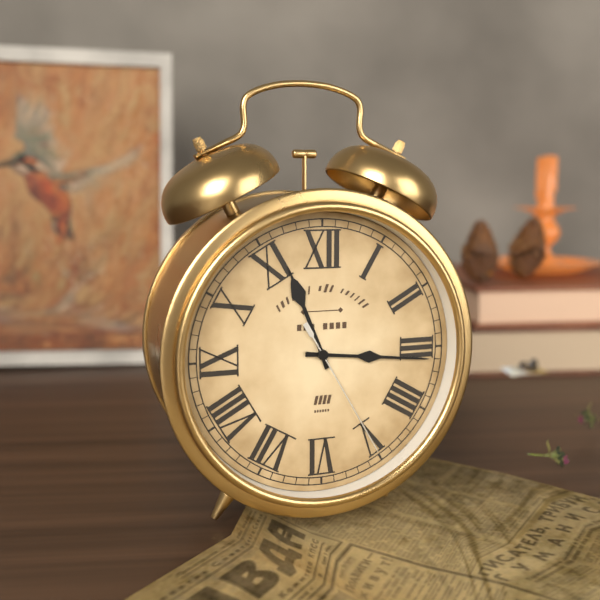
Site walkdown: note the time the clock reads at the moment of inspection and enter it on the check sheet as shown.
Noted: 11:16:25
